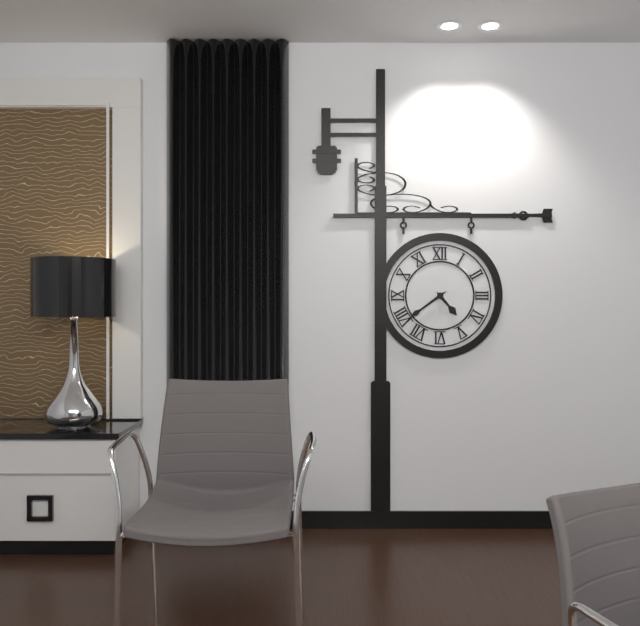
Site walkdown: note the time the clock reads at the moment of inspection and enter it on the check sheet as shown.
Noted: 4:39
